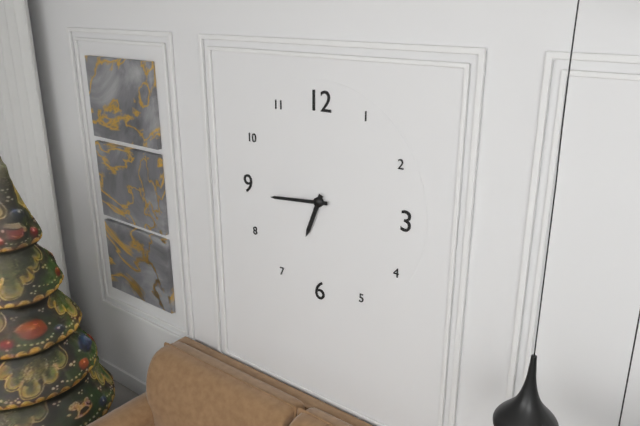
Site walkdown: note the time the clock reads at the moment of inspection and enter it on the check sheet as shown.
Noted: 6:44
